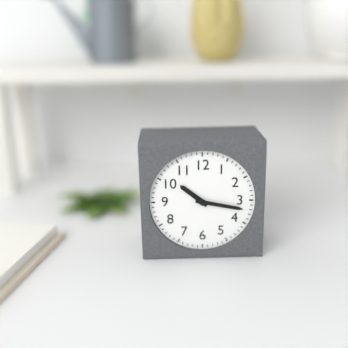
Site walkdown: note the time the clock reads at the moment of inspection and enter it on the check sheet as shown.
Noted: 10:17
